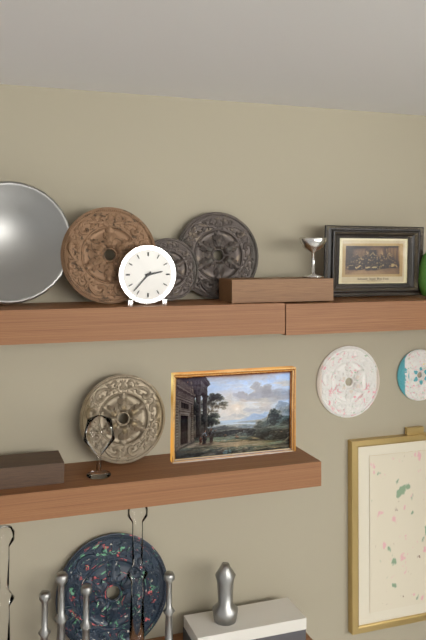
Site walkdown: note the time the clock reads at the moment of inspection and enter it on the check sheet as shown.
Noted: 2:37
